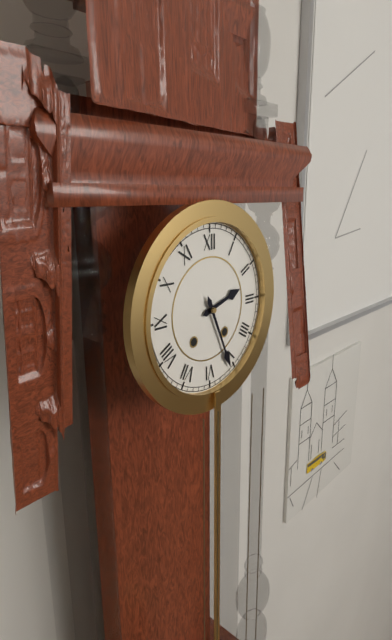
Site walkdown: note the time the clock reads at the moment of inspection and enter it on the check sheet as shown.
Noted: 2:26
